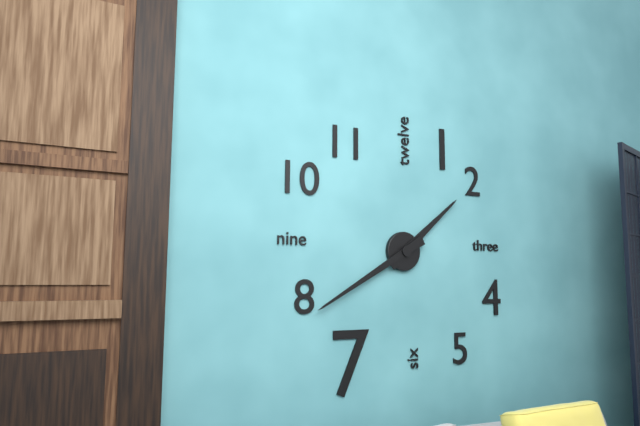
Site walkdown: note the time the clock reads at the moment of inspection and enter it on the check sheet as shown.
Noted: 1:40
